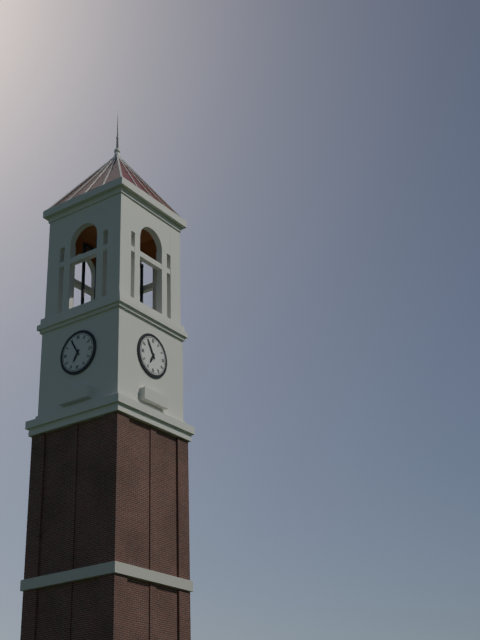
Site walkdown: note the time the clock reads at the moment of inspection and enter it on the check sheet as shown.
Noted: 6:55
